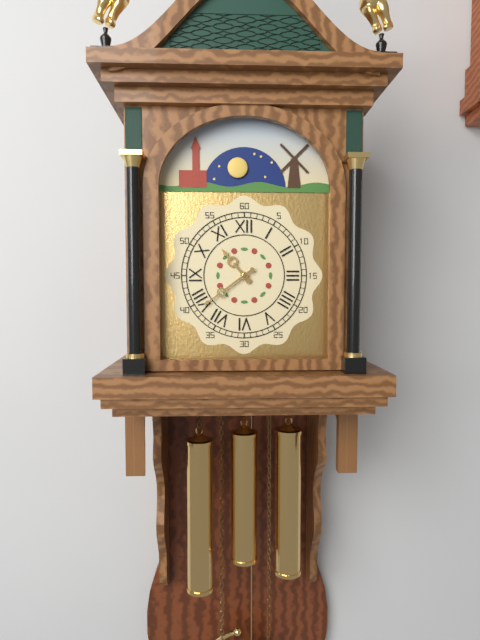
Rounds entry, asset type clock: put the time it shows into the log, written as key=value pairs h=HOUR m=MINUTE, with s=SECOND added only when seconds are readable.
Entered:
h=10 m=39
